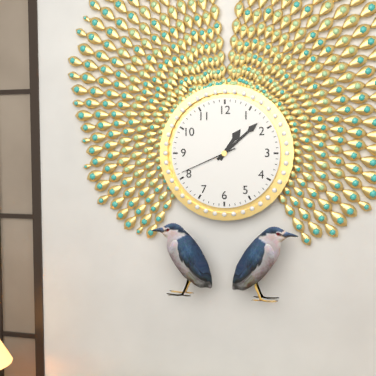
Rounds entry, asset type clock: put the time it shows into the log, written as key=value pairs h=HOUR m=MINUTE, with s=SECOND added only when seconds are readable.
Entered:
h=1 m=8 s=41
